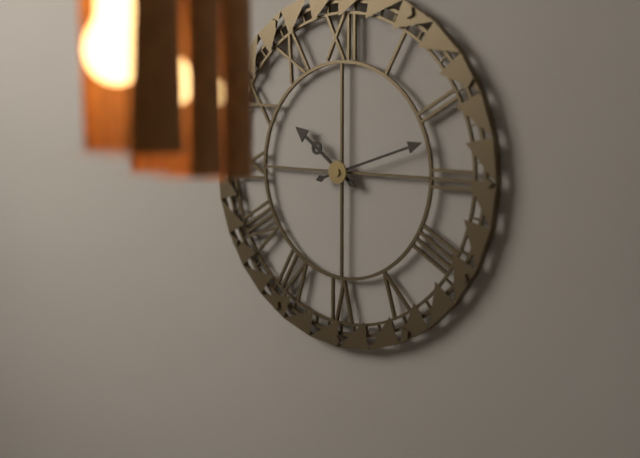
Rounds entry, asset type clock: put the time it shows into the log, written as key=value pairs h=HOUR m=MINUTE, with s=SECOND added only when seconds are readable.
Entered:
h=10 m=12
